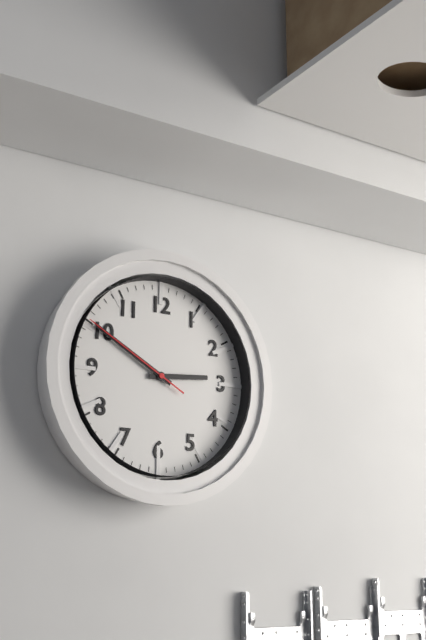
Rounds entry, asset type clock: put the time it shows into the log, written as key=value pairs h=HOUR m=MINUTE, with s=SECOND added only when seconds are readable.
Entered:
h=2 m=50 s=50
